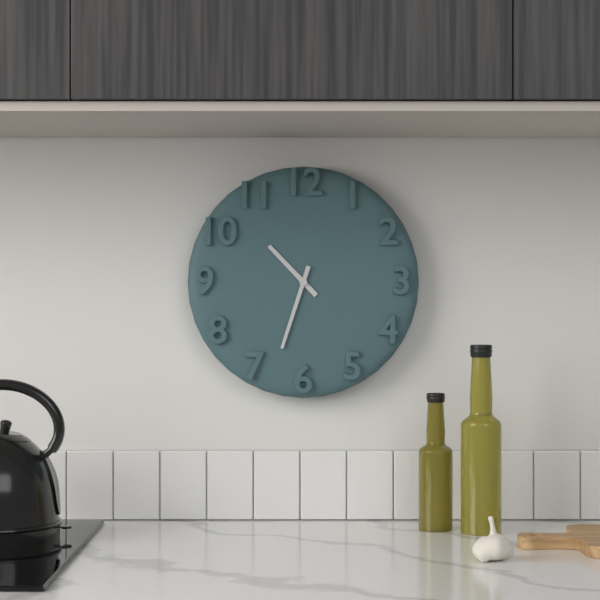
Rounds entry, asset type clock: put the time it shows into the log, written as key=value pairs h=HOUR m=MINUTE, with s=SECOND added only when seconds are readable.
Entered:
h=10 m=33
